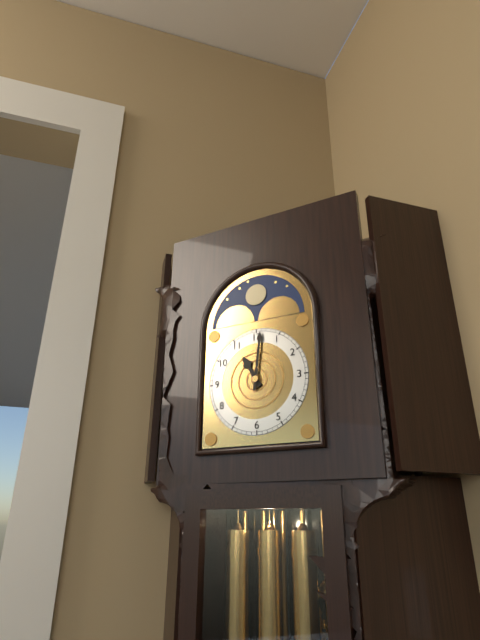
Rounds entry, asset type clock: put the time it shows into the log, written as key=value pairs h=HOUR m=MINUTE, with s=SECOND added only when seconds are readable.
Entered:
h=11 m=1
